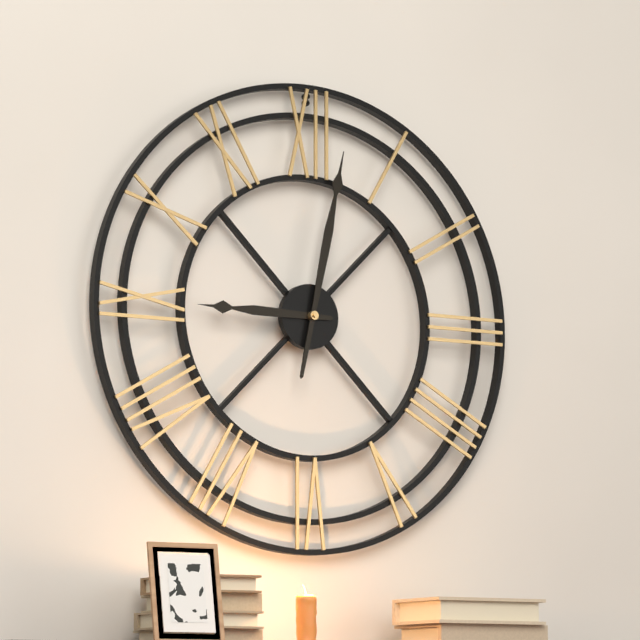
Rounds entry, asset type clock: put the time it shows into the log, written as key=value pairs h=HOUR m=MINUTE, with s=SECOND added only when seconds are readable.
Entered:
h=9 m=2
